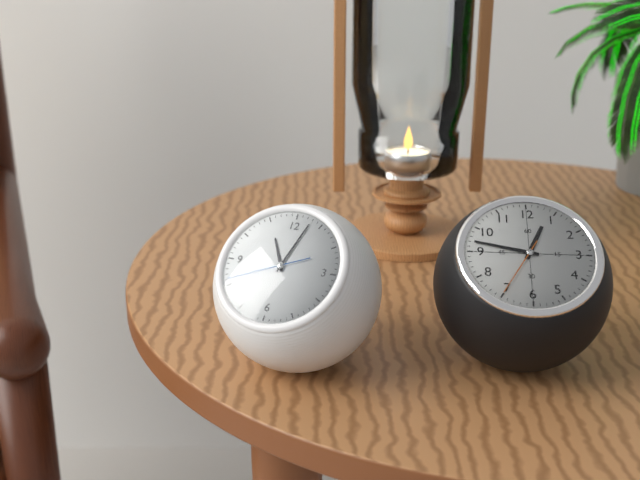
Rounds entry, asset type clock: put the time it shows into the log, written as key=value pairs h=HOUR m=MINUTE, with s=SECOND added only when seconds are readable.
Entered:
h=11 m=3 s=41
